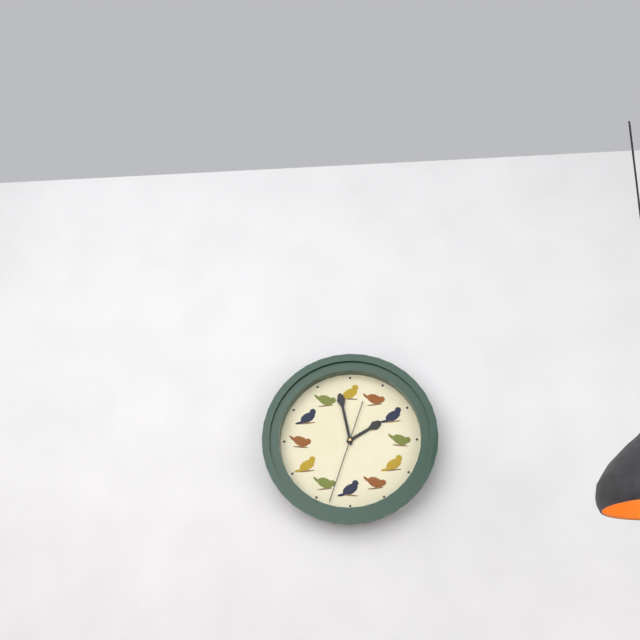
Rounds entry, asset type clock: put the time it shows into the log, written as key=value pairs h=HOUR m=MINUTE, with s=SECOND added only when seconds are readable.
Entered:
h=1 m=58 s=33
